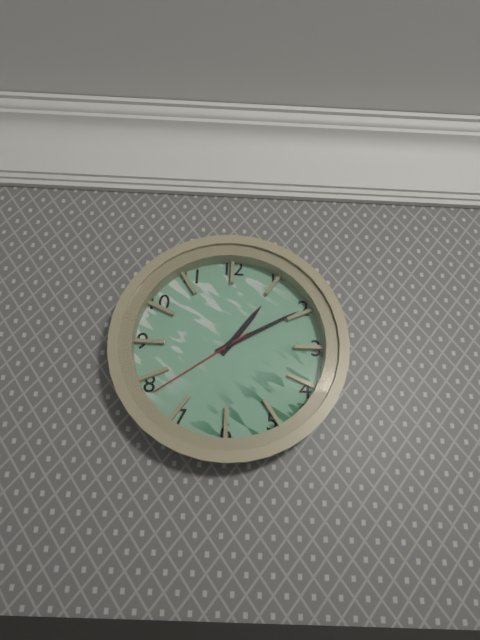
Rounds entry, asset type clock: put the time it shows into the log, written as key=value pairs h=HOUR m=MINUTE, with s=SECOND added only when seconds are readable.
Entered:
h=1 m=10 s=39
